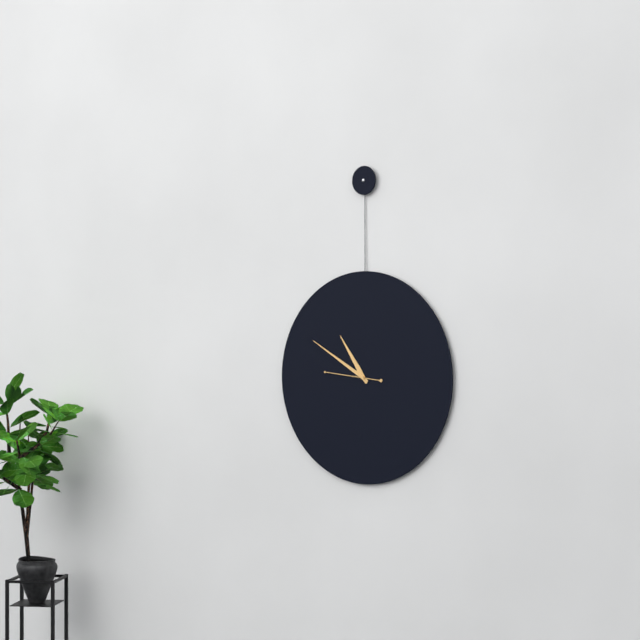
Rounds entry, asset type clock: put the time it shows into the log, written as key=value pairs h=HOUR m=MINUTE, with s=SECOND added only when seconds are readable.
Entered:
h=10 m=50
